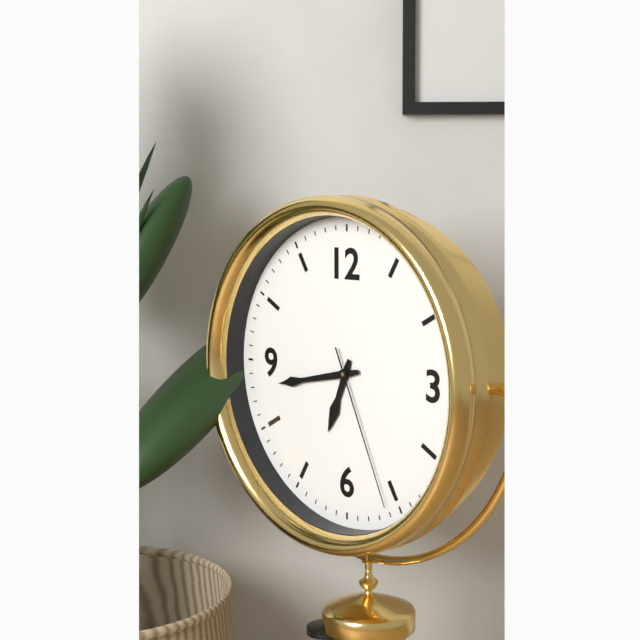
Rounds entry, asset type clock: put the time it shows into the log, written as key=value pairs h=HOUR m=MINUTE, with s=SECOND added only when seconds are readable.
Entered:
h=6 m=43 s=26
